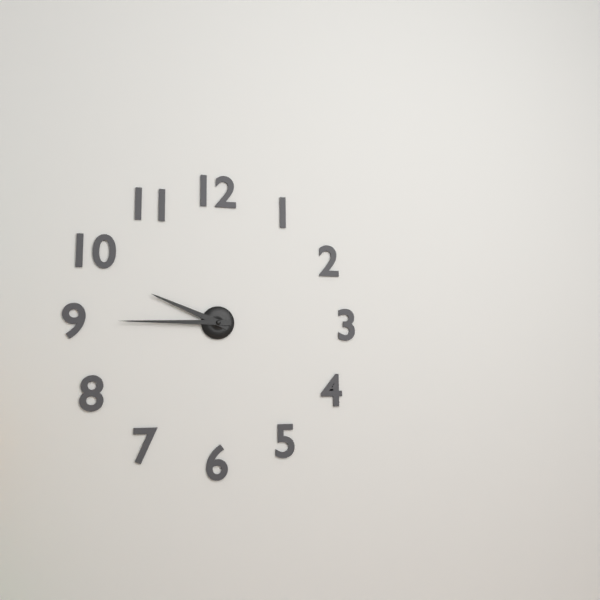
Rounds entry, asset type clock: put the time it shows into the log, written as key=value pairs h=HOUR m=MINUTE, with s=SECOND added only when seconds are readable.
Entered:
h=9 m=45
